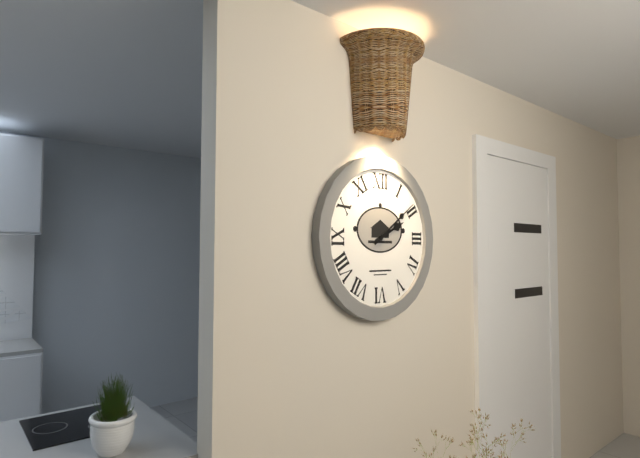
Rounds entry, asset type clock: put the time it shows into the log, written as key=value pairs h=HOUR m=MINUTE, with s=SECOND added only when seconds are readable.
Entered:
h=2 m=9
